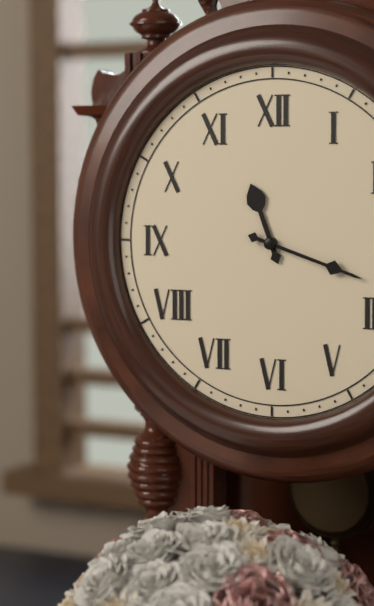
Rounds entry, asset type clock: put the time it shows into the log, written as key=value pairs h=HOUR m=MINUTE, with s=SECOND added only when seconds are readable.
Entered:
h=11 m=18
